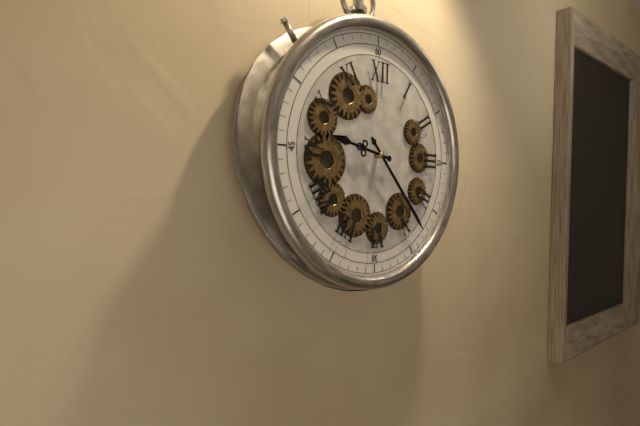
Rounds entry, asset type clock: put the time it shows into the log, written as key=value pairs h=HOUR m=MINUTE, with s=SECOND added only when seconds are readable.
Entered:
h=9 m=23
